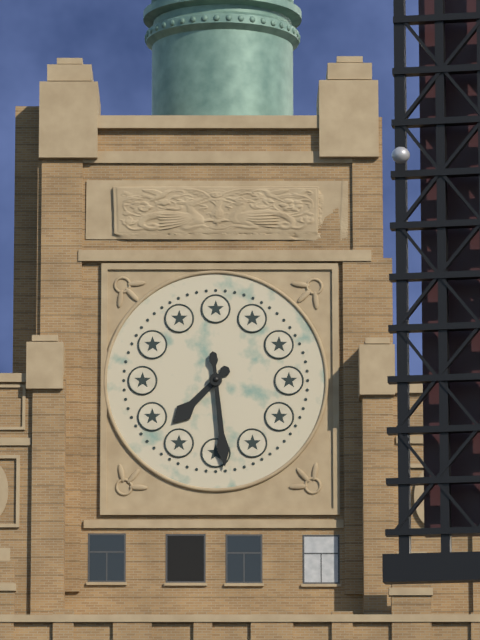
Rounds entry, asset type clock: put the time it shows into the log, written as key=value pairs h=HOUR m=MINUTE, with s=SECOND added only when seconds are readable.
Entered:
h=7 m=29
